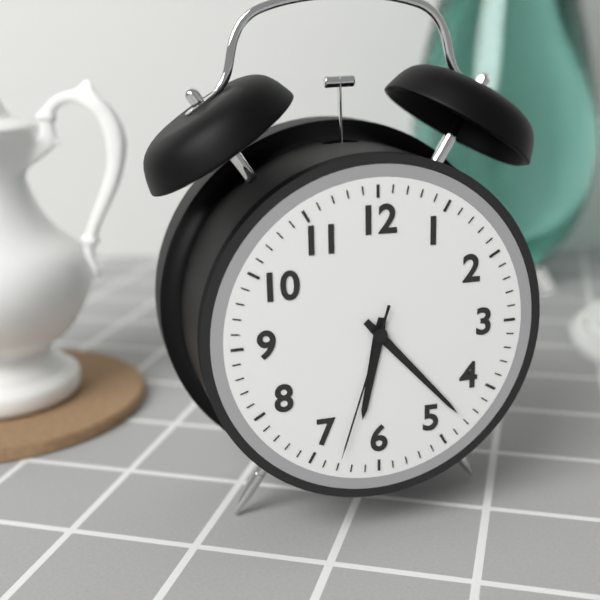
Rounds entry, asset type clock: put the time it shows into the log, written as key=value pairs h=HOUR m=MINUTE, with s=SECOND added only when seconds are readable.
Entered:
h=6 m=23 s=33
